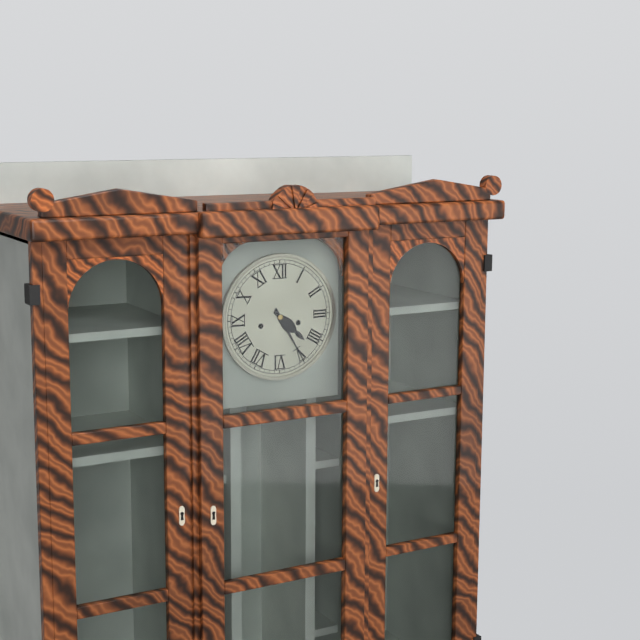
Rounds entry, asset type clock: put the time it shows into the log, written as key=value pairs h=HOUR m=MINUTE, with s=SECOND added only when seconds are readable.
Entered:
h=4 m=25
